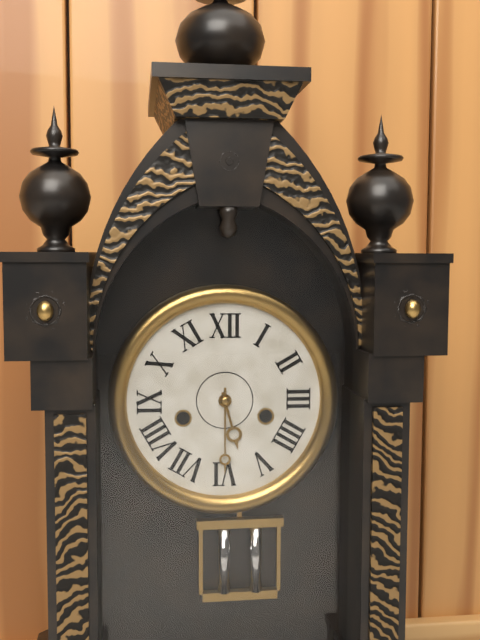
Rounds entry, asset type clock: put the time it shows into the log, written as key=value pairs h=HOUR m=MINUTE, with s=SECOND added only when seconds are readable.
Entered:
h=5 m=30
